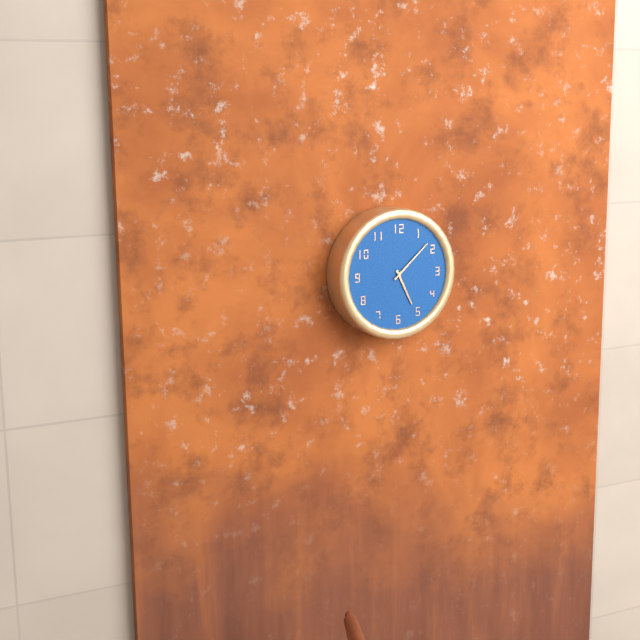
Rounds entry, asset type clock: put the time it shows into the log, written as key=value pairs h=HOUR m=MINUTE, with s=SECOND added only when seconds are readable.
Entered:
h=5 m=8
